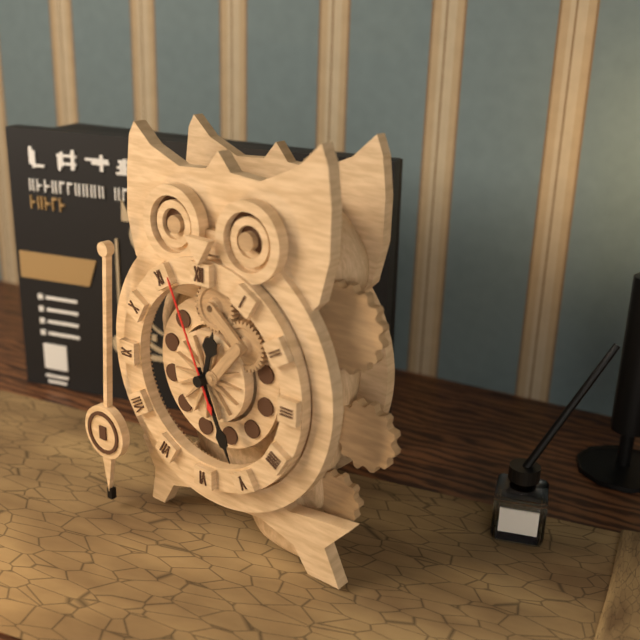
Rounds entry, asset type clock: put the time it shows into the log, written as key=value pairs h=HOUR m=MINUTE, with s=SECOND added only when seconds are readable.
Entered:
h=12 m=26 s=56
